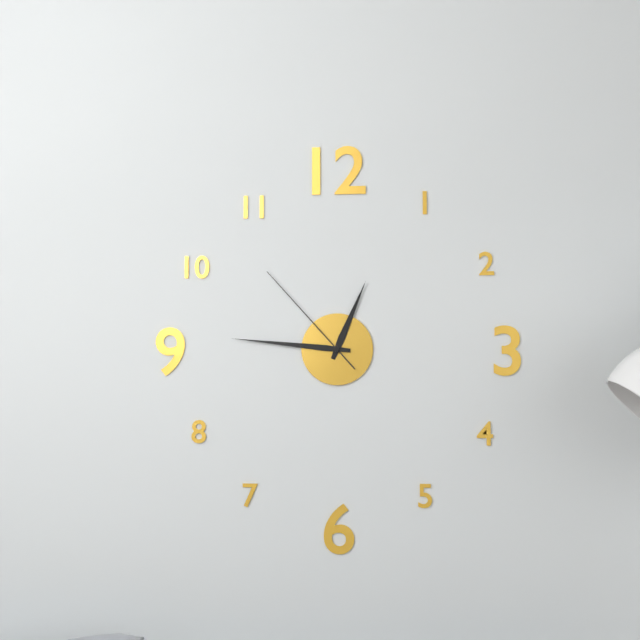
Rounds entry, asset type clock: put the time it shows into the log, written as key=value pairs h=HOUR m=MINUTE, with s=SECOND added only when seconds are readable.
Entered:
h=12 m=46 s=53
